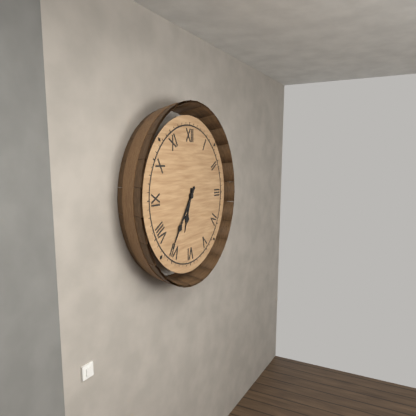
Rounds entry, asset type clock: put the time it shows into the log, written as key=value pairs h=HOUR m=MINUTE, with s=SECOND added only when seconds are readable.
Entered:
h=6 m=36
